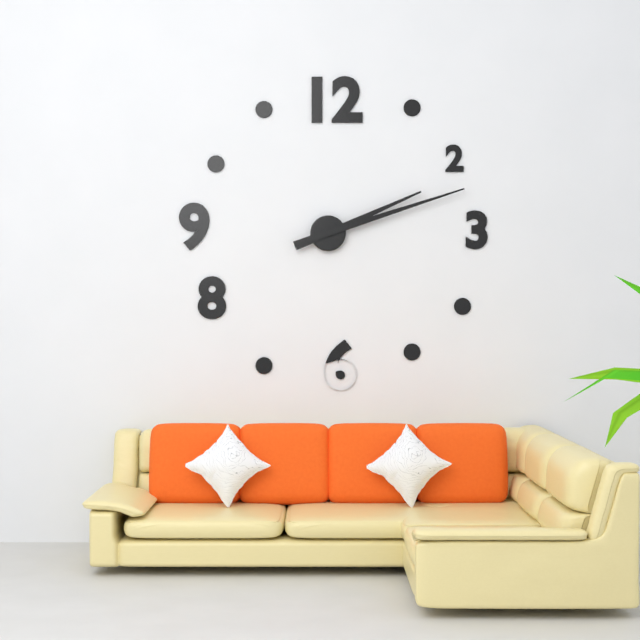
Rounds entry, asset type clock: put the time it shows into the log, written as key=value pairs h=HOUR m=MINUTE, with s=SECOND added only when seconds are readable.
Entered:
h=2 m=12
